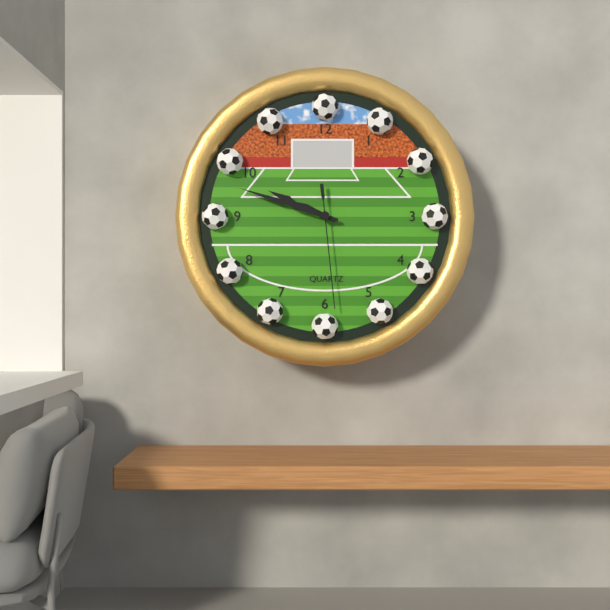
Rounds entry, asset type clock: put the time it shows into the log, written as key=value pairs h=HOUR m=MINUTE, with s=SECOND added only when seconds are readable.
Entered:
h=9 m=48 s=29
